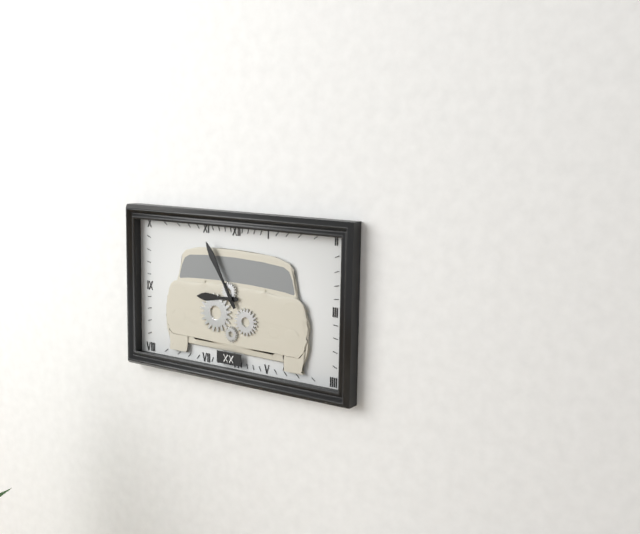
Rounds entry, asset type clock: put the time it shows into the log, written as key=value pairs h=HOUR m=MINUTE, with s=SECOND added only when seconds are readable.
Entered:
h=8 m=55
